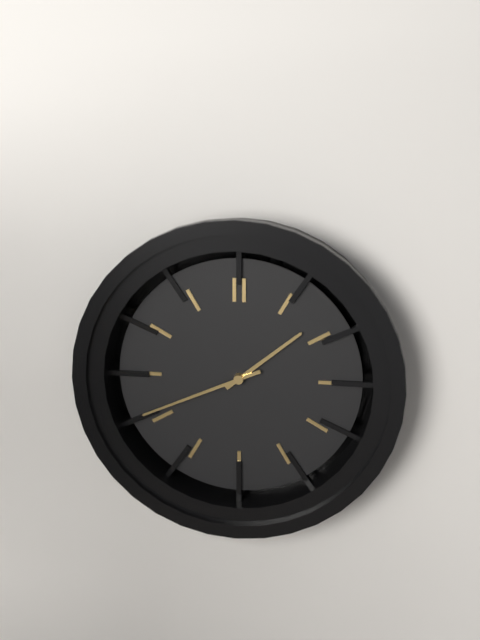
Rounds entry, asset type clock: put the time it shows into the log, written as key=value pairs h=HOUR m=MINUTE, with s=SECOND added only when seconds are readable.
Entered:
h=1 m=41
